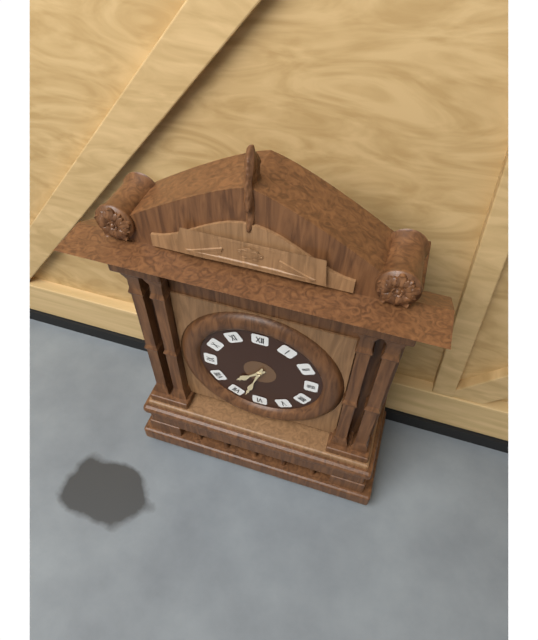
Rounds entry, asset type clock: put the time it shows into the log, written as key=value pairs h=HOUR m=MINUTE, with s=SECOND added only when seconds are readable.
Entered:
h=7 m=33
